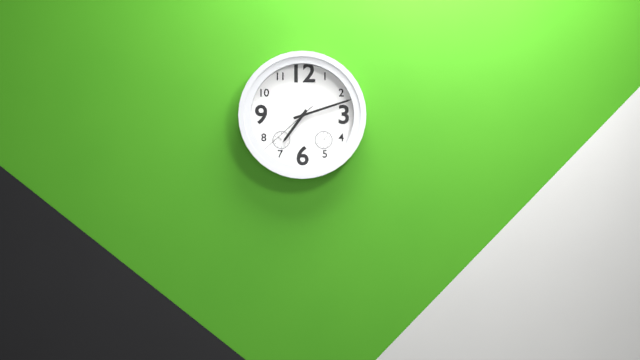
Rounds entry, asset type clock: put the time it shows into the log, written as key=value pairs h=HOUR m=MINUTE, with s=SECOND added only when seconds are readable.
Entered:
h=7 m=12 s=38
